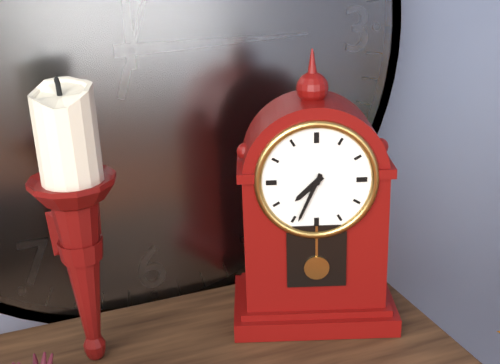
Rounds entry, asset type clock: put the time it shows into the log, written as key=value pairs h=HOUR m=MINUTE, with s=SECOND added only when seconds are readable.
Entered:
h=7 m=34
